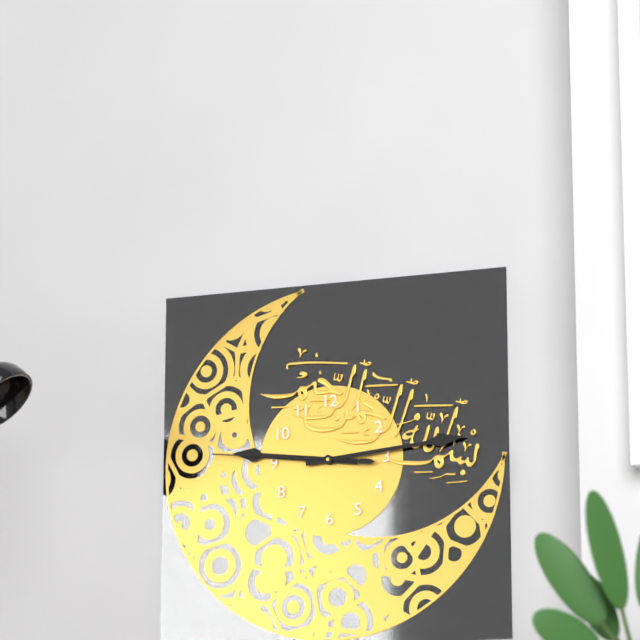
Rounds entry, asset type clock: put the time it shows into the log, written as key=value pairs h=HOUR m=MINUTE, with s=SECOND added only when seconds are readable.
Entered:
h=9 m=14 s=46
